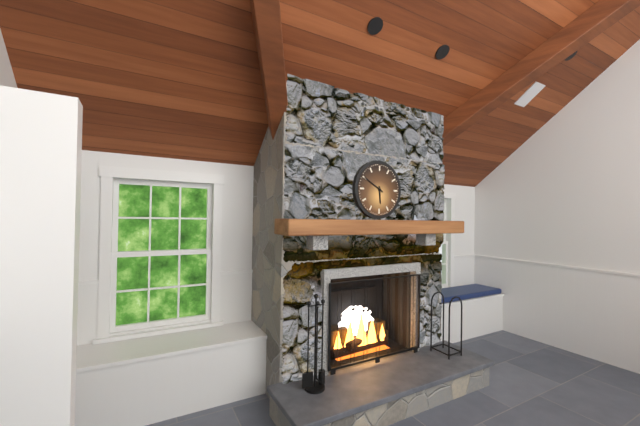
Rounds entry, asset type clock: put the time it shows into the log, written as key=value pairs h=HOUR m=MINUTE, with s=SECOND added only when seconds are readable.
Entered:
h=5 m=50
